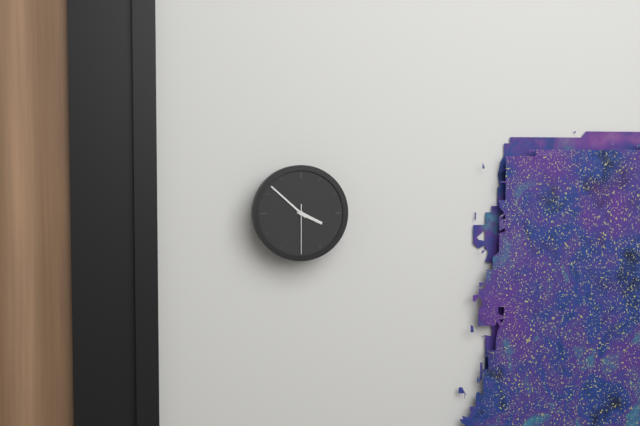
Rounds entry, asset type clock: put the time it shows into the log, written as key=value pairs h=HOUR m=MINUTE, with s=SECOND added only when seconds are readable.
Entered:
h=3 m=52 s=30
